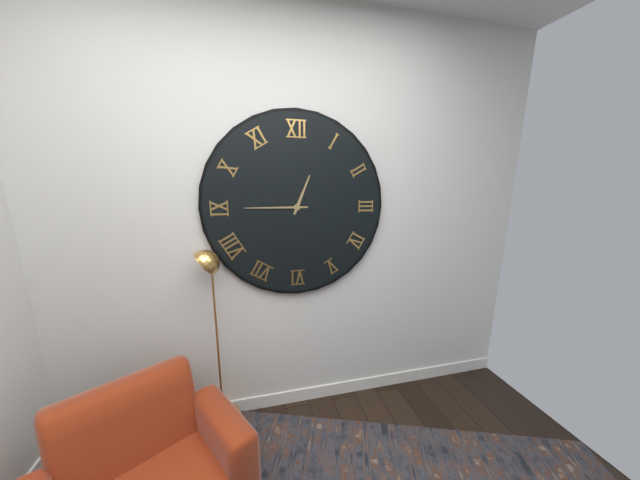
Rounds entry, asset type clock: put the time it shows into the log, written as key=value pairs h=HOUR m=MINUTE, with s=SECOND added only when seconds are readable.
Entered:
h=12 m=45
